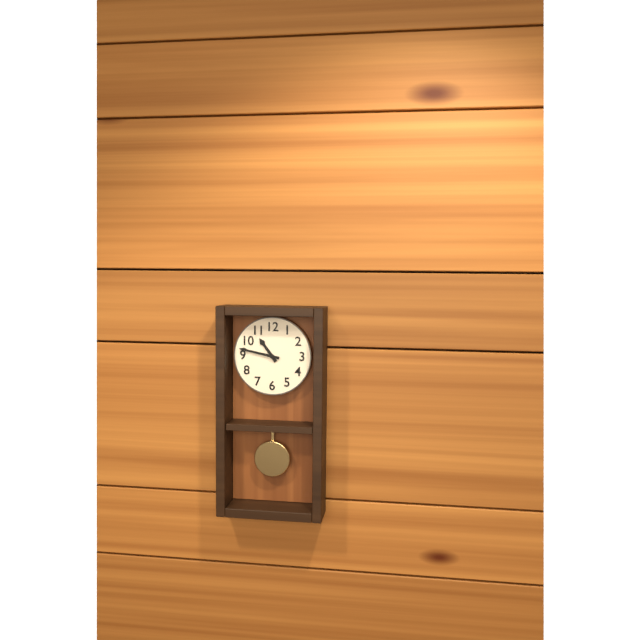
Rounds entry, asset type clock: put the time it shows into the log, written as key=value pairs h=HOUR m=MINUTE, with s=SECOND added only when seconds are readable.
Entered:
h=10 m=47
